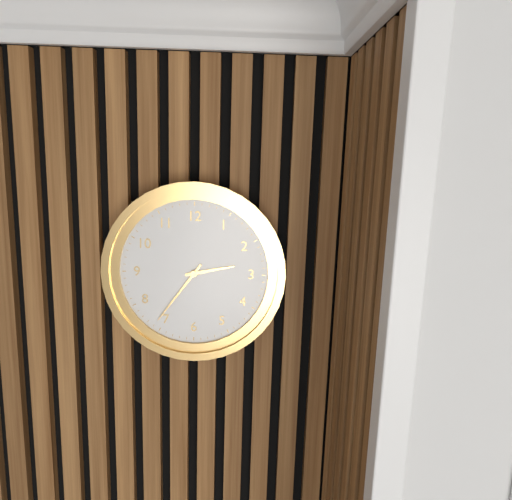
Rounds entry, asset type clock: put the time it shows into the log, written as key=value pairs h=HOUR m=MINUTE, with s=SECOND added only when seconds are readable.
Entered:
h=2 m=36
